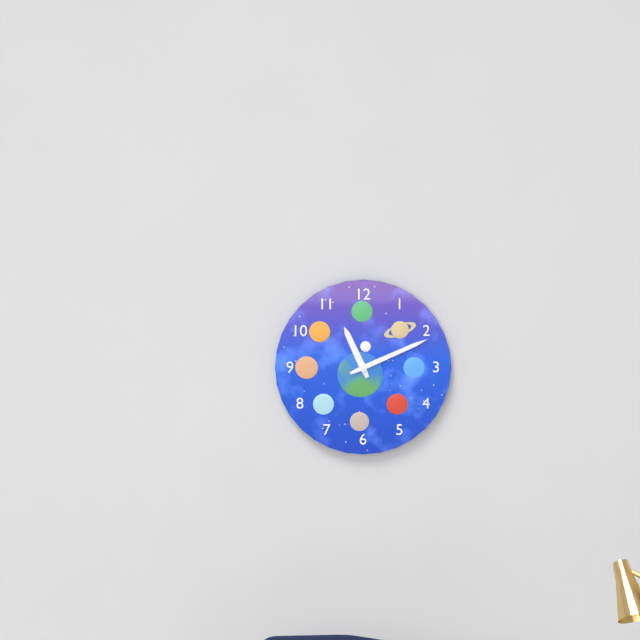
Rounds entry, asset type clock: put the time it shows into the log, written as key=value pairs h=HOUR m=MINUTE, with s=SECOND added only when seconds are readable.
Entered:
h=11 m=11
